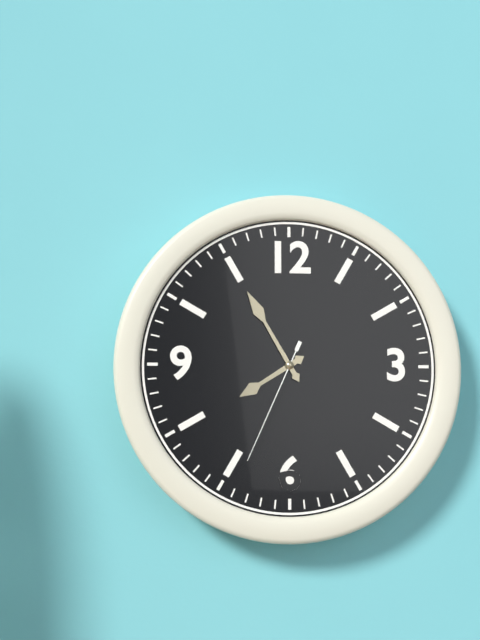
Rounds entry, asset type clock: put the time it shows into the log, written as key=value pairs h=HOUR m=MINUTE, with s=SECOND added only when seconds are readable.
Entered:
h=7 m=55 s=34
